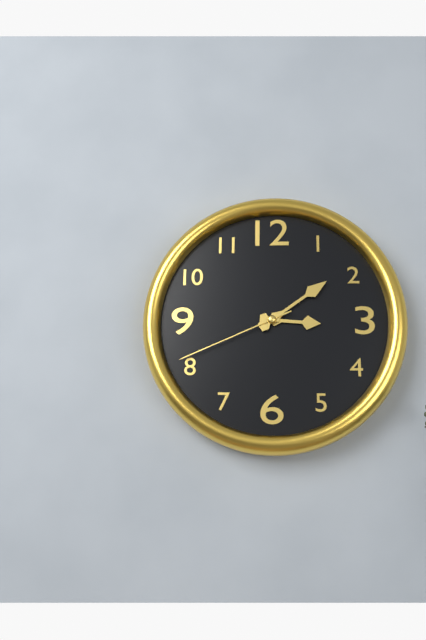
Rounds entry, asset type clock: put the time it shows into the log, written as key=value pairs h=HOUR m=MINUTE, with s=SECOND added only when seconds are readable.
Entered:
h=3 m=9 s=41
